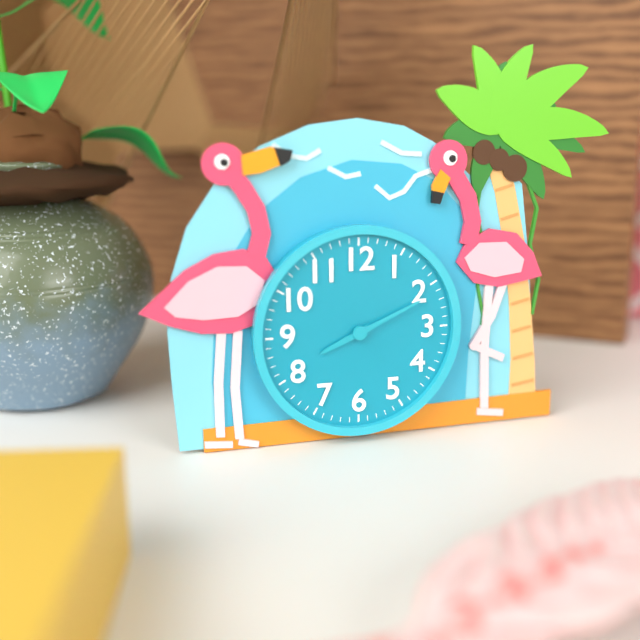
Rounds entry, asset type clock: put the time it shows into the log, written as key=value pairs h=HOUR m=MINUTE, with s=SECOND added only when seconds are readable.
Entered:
h=8 m=11
